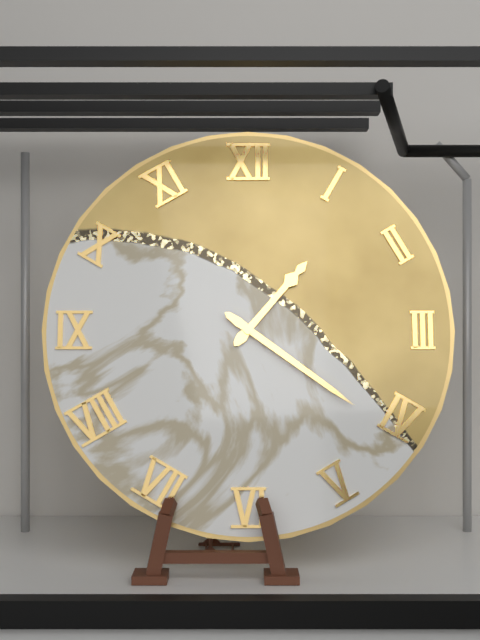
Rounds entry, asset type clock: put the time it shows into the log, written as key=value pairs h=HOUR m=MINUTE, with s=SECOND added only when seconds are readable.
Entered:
h=1 m=21
